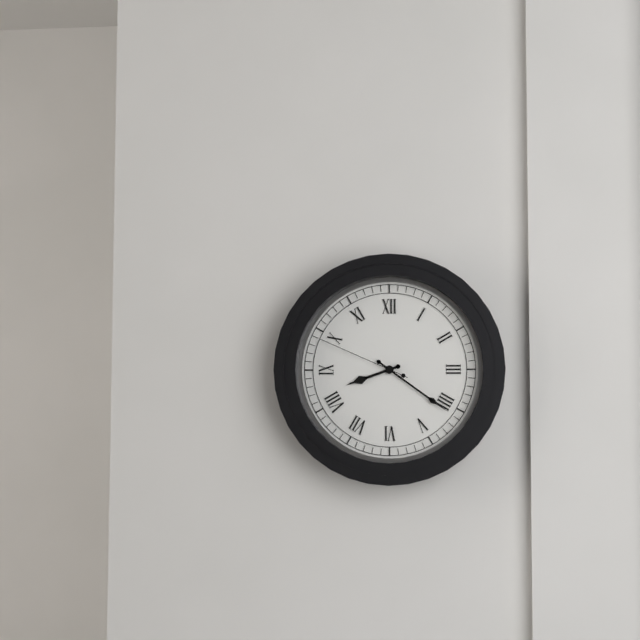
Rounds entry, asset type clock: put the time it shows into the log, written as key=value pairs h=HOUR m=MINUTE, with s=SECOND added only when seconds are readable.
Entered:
h=8 m=21 s=49
